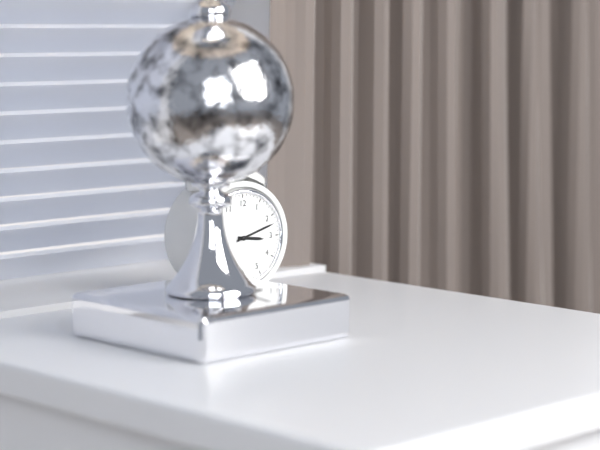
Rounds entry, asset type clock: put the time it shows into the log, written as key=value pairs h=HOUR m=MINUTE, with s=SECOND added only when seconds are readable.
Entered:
h=3 m=12
